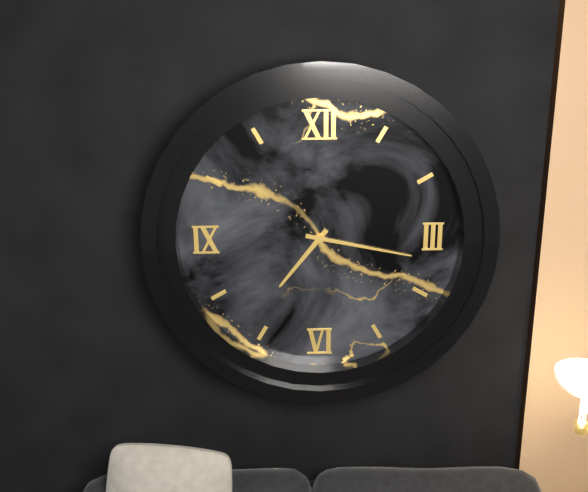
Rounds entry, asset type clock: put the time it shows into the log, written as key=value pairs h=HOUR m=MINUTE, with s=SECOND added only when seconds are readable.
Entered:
h=7 m=17
